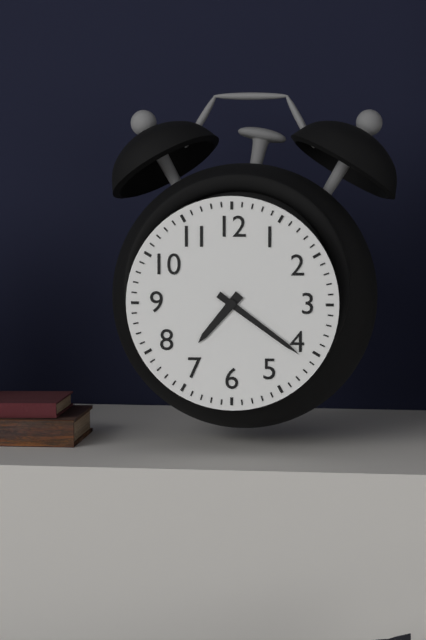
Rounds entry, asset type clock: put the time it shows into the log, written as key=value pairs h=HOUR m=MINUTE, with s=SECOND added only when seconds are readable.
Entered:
h=7 m=21
